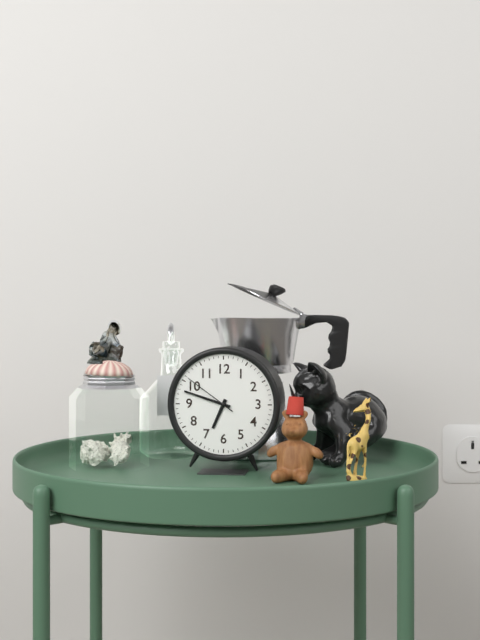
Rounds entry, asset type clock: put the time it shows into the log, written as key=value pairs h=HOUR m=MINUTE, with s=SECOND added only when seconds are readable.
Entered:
h=6 m=48 s=51
